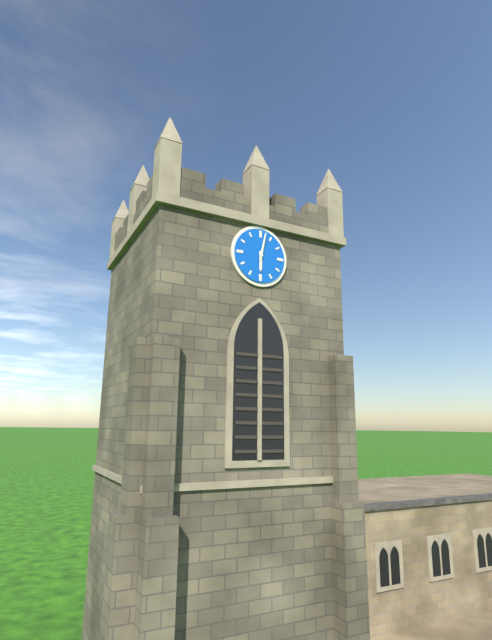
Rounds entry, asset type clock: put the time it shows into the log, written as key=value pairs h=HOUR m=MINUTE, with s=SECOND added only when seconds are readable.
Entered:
h=6 m=2
